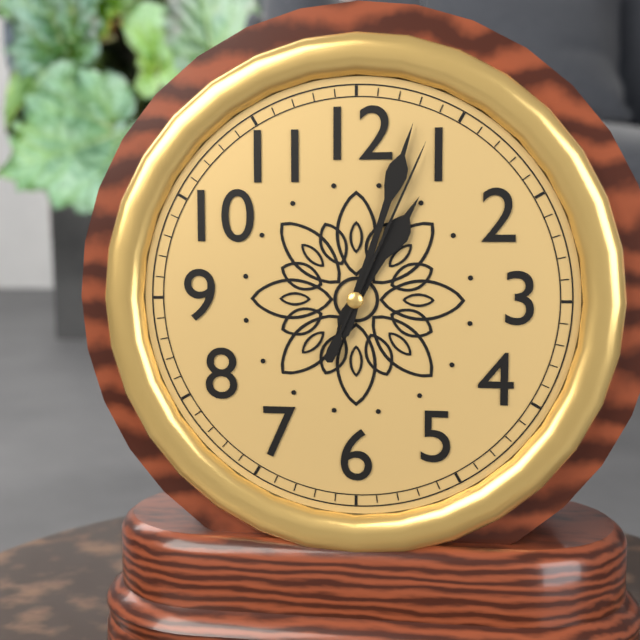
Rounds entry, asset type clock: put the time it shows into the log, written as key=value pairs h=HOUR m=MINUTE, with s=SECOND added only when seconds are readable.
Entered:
h=1 m=3 s=4
